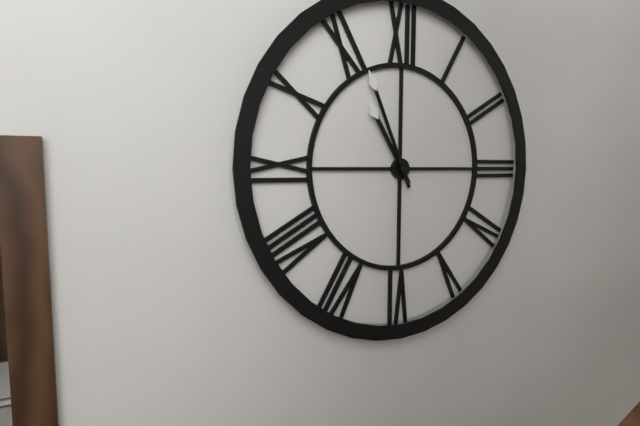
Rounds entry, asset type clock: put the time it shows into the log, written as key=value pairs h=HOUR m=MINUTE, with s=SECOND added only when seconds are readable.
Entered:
h=10 m=56
